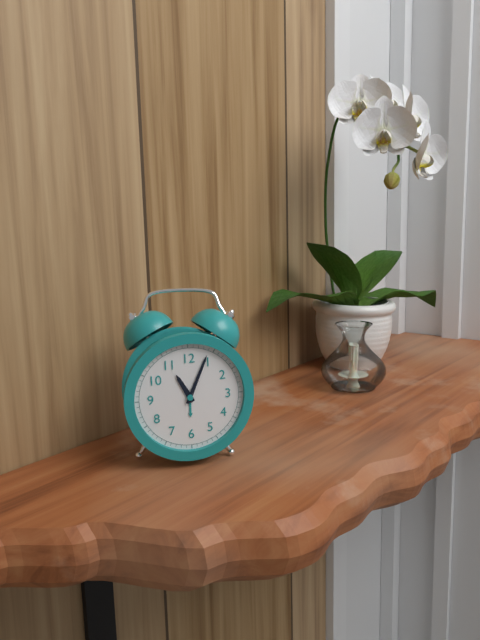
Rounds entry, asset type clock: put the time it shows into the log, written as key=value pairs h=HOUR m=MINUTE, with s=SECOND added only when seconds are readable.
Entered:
h=11 m=4
